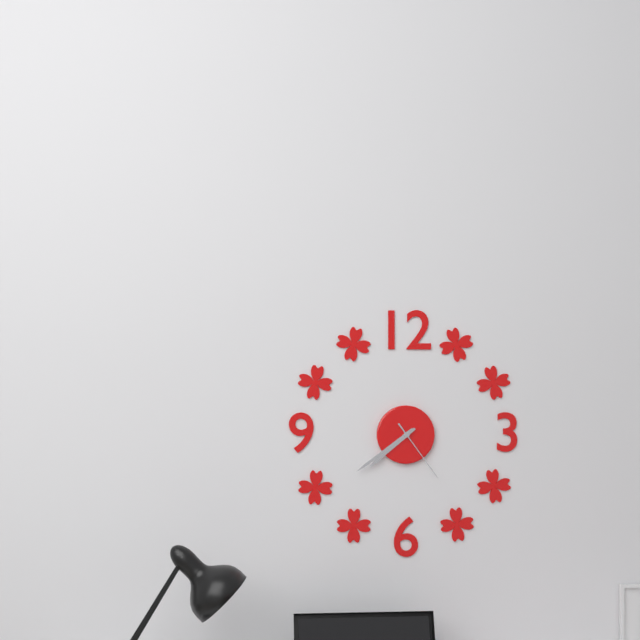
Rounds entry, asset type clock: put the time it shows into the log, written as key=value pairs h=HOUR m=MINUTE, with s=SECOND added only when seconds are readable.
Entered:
h=7 m=39 s=24
